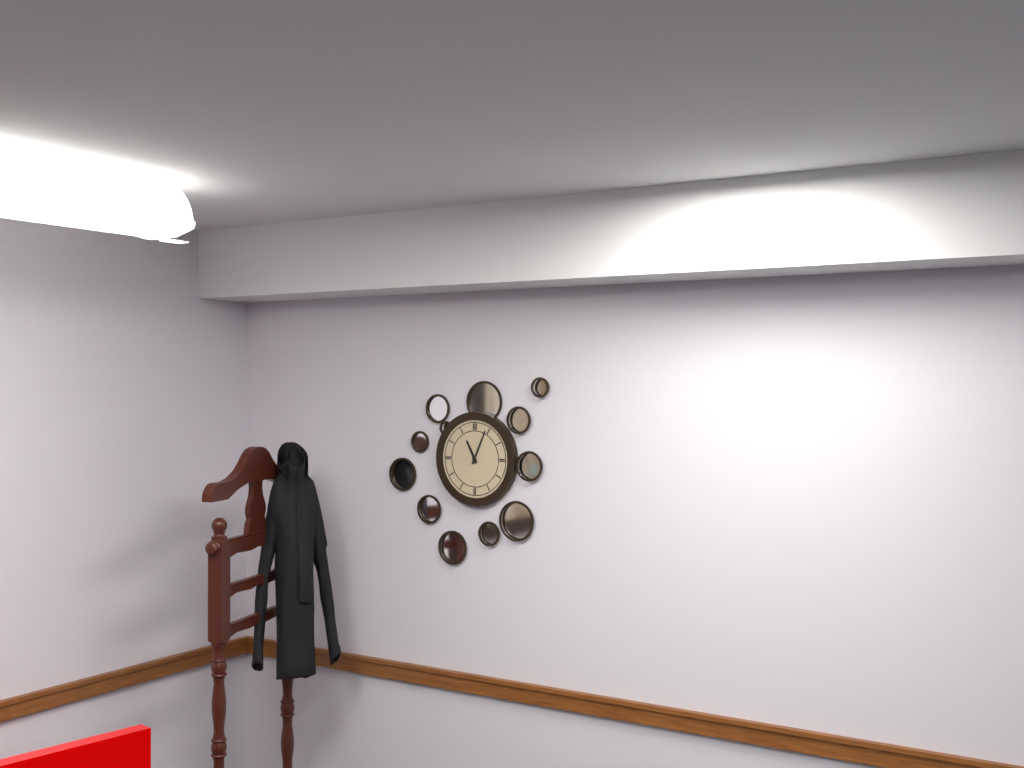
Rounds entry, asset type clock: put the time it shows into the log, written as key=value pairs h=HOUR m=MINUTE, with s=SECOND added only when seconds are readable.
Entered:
h=11 m=4
